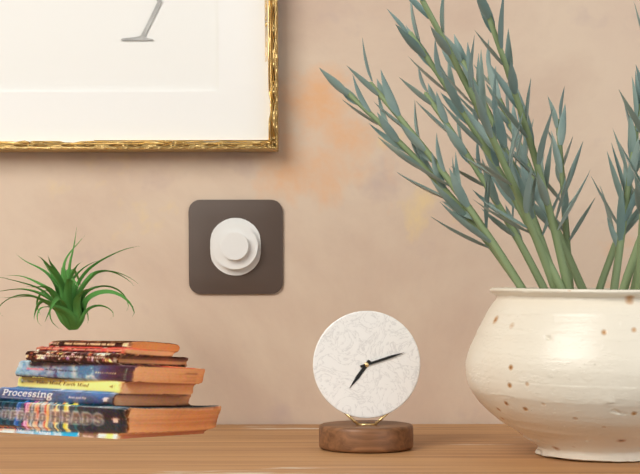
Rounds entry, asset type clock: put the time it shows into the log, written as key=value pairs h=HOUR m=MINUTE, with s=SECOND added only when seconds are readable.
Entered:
h=7 m=12
